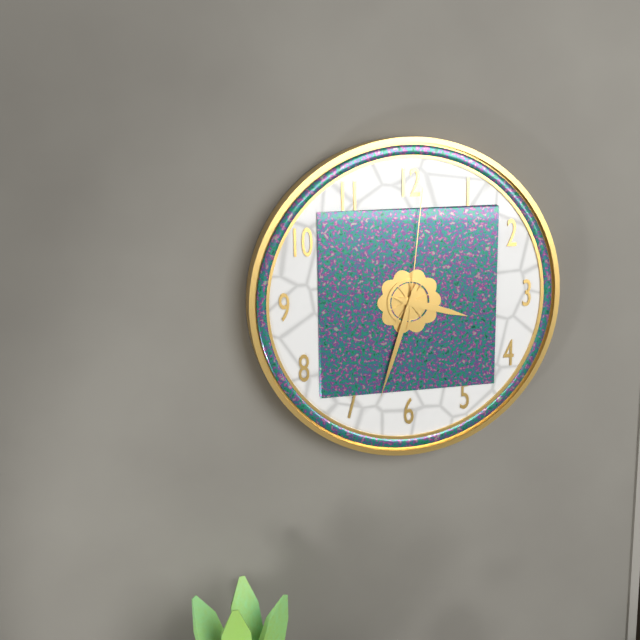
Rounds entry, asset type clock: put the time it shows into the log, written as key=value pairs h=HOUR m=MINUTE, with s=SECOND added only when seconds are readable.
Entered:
h=3 m=33 s=1
